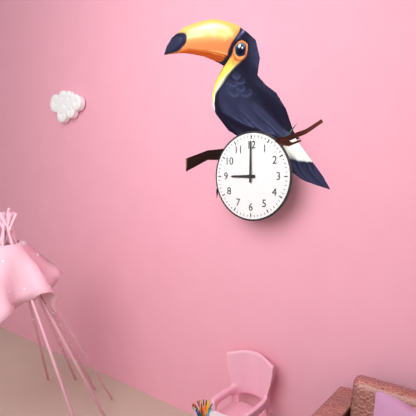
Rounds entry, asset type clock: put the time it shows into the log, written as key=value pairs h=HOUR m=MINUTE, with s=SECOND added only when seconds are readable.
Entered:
h=9 m=0
